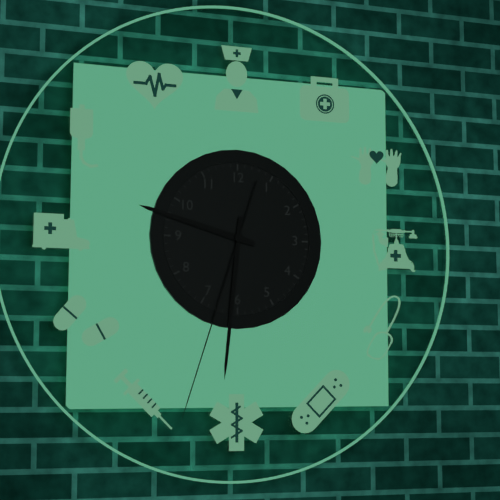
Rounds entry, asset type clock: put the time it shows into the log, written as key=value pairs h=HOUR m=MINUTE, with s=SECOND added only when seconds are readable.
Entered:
h=9 m=31 s=33
